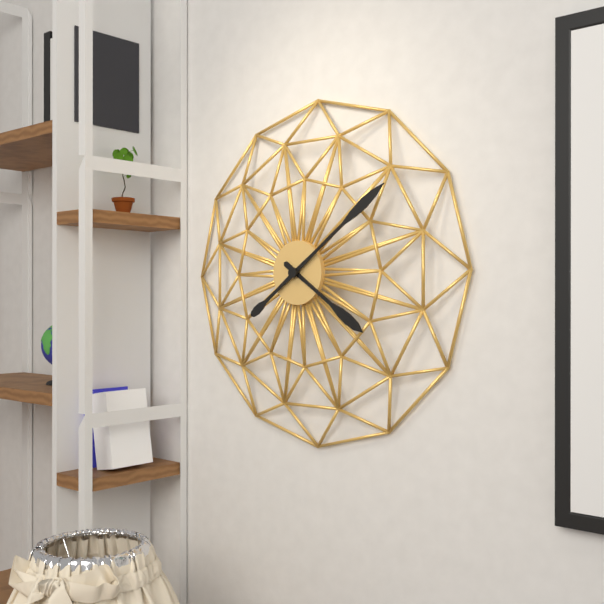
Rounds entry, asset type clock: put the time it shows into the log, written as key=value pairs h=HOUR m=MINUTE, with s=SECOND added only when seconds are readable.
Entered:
h=4 m=9
